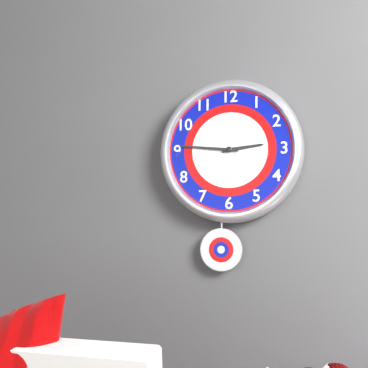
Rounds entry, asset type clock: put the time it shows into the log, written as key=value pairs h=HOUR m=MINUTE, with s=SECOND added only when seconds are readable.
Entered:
h=2 m=46
